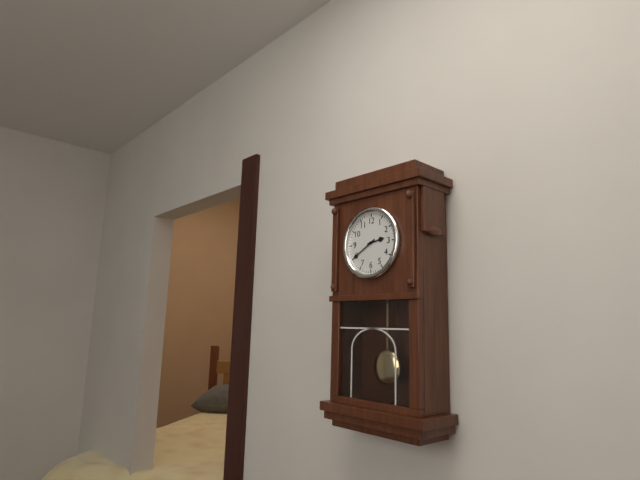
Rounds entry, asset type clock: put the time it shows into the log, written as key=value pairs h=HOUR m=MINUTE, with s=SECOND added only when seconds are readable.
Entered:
h=2 m=40
